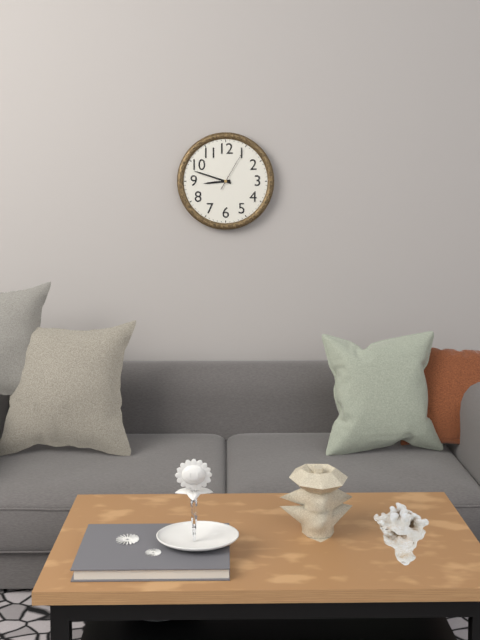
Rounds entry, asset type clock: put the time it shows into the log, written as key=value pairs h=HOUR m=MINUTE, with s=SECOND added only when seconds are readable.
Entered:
h=8 m=48
